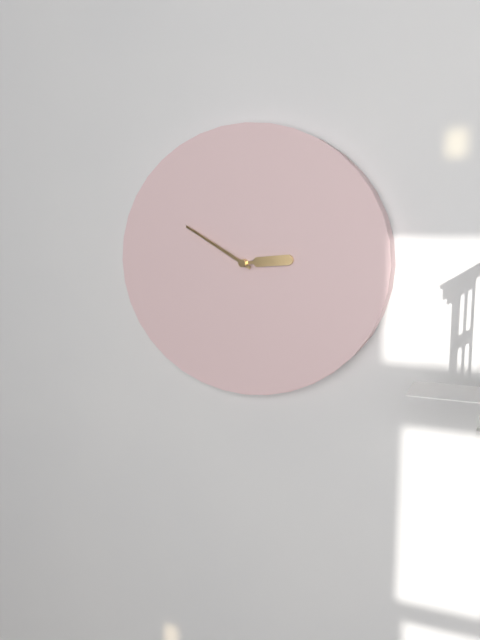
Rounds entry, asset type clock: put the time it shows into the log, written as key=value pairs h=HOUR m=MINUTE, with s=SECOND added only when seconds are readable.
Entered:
h=2 m=50
